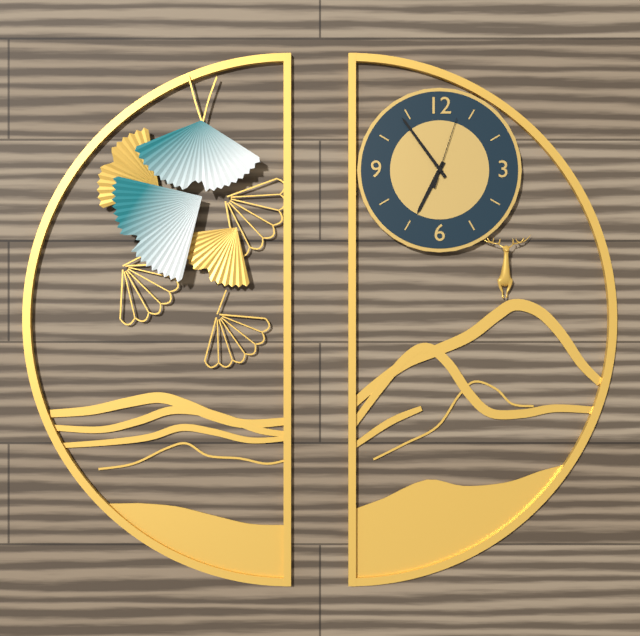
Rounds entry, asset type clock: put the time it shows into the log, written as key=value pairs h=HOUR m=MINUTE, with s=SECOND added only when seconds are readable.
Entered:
h=6 m=54 s=3
